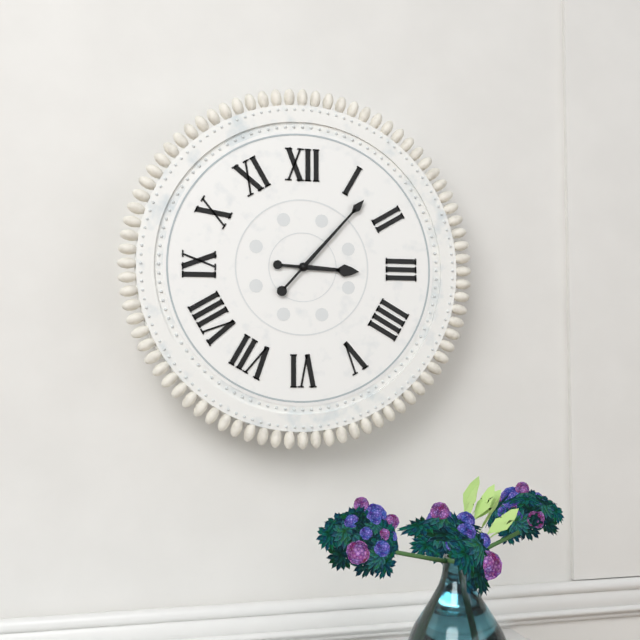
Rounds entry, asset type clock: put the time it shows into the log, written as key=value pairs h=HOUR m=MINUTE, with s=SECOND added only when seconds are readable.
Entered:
h=3 m=7
